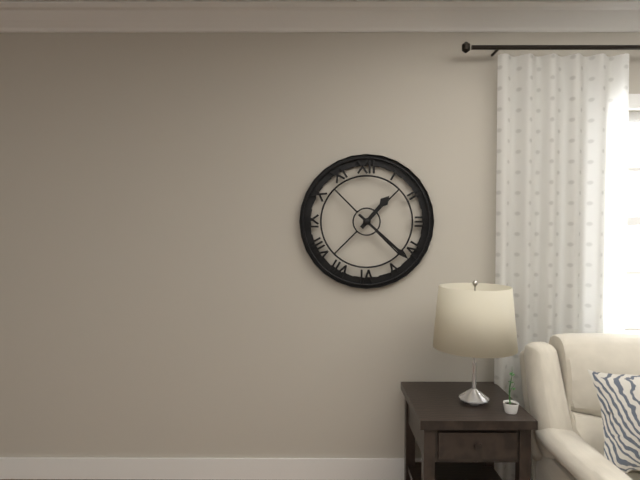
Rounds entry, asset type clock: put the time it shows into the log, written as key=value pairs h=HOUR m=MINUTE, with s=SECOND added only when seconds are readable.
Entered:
h=1 m=22
